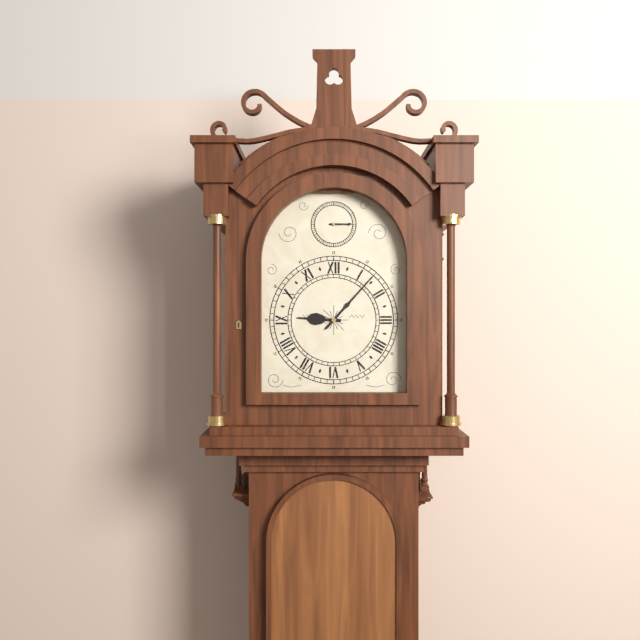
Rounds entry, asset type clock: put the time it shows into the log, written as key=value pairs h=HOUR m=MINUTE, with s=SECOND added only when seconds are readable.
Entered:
h=9 m=7
